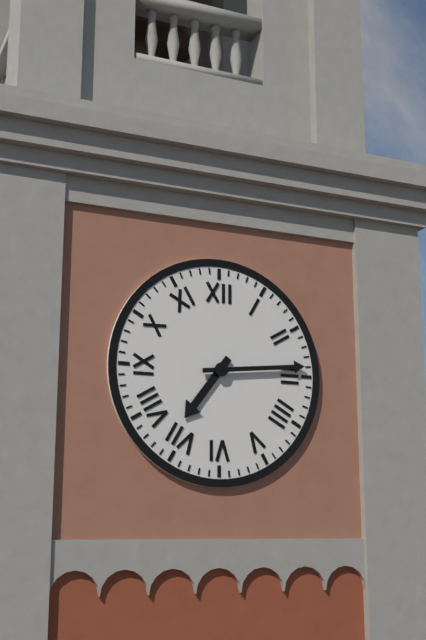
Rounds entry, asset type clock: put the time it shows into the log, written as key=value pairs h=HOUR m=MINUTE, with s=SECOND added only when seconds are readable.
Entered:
h=7 m=14
